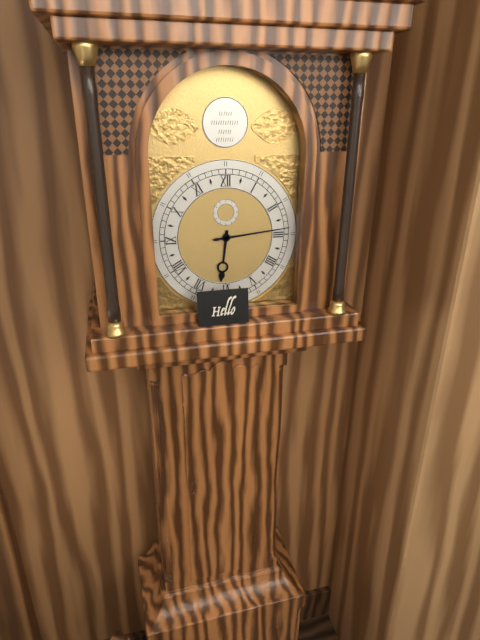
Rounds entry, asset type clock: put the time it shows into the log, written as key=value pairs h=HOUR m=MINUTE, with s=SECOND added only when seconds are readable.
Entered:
h=6 m=14
